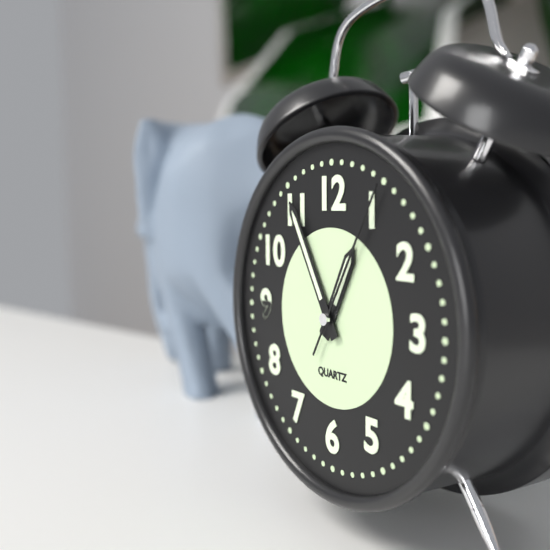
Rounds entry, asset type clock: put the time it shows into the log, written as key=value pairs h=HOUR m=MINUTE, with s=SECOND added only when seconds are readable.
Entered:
h=12 m=55 s=5
